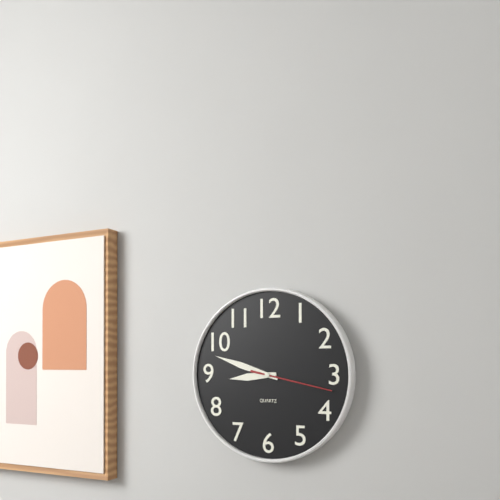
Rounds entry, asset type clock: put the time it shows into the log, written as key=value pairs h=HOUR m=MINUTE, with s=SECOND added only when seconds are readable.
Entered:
h=8 m=48 s=17
